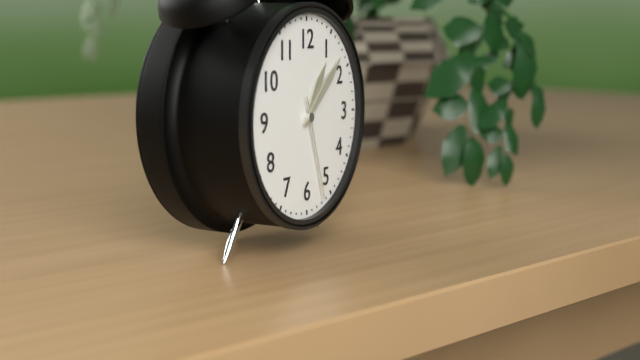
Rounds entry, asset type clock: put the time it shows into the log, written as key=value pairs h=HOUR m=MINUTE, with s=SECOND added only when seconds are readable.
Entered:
h=1 m=8 s=27
